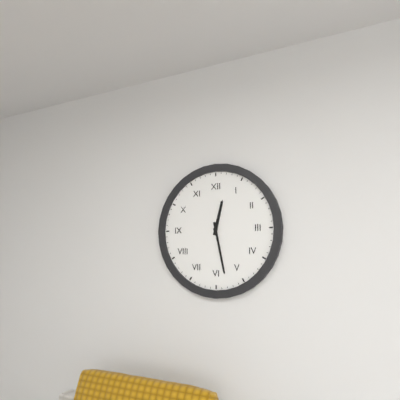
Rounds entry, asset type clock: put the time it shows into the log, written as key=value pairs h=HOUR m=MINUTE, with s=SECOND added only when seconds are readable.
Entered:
h=12 m=28
